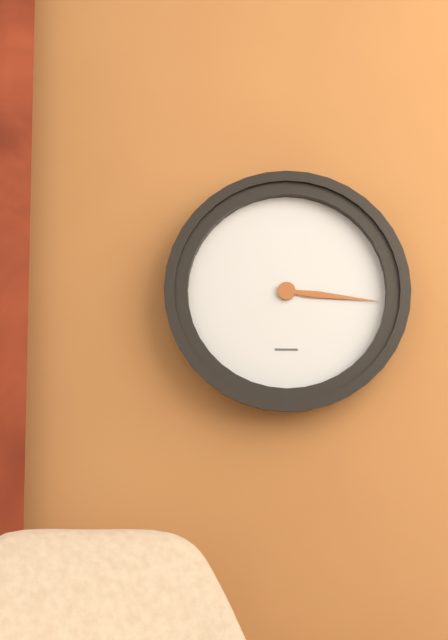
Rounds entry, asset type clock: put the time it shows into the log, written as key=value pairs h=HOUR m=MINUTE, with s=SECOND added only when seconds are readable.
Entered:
h=3 m=16
